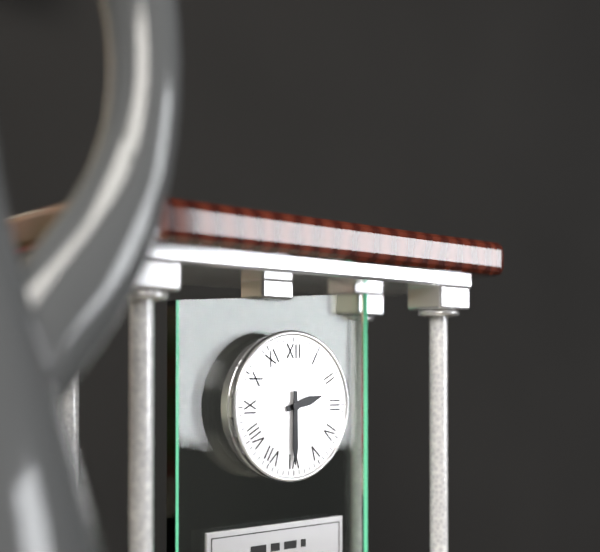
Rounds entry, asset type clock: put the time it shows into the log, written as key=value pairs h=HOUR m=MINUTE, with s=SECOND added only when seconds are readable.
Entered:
h=2 m=30
